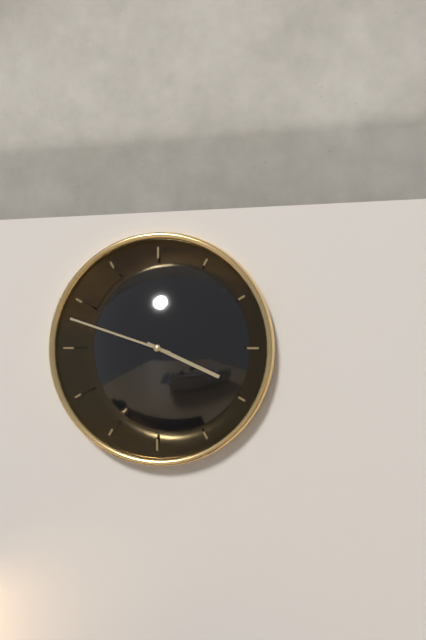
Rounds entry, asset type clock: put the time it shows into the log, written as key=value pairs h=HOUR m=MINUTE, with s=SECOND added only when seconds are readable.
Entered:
h=3 m=48
